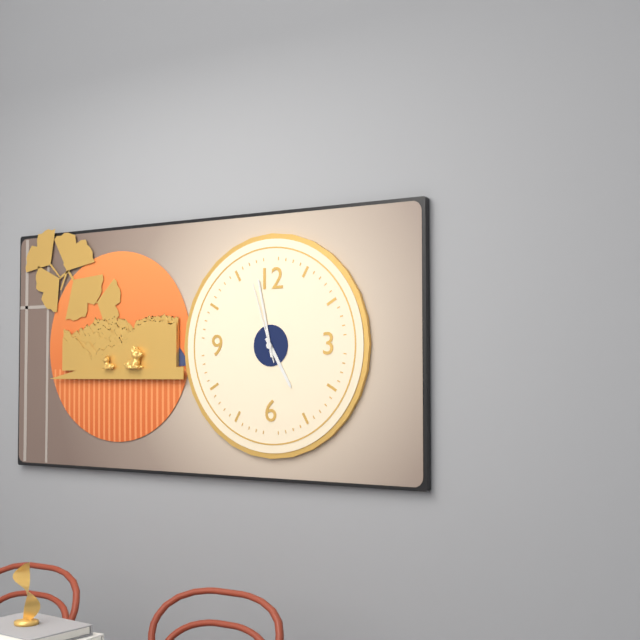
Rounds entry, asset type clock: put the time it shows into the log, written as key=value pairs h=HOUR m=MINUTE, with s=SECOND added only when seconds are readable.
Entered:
h=4 m=58 s=57
